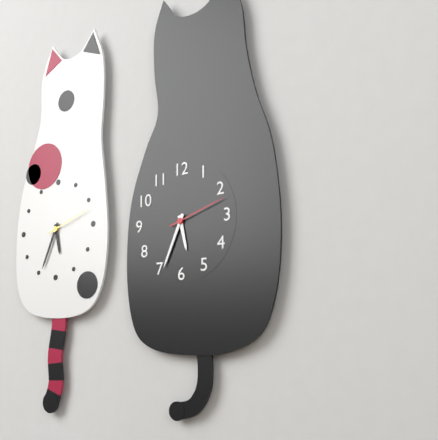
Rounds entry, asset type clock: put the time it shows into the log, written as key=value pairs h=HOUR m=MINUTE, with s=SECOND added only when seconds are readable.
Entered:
h=5 m=34 s=12
